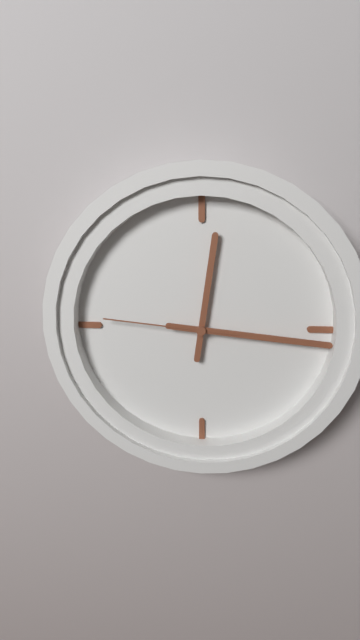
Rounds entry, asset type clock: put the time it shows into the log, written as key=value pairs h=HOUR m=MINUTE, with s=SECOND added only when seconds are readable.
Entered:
h=12 m=16 s=46
